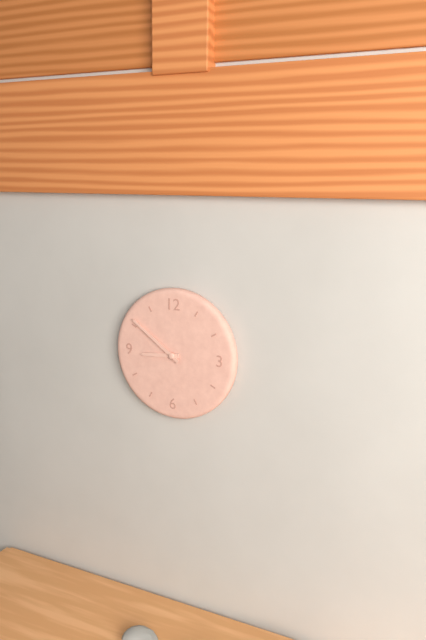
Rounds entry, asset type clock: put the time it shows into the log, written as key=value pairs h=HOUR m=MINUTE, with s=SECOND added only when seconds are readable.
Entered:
h=8 m=51
